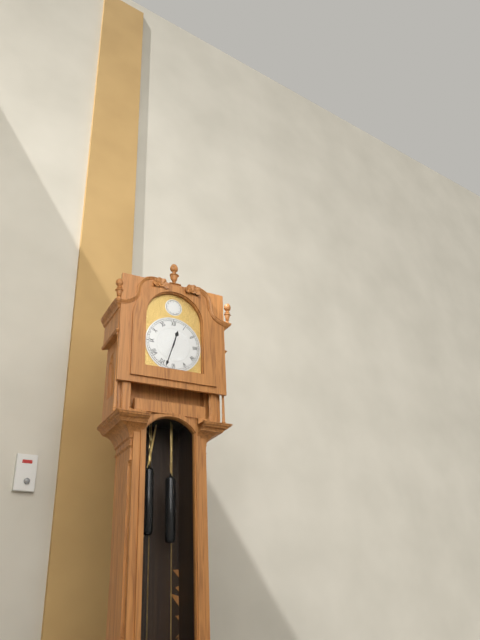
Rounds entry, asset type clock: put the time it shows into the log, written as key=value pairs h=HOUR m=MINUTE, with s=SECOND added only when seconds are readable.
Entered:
h=12 m=33
